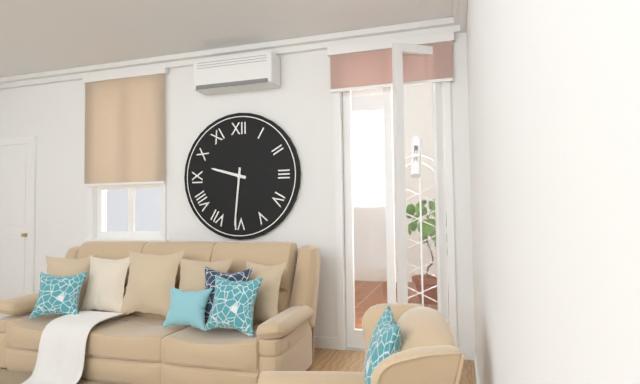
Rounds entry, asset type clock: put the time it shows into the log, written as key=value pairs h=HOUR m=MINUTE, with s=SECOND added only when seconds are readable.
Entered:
h=9 m=31
